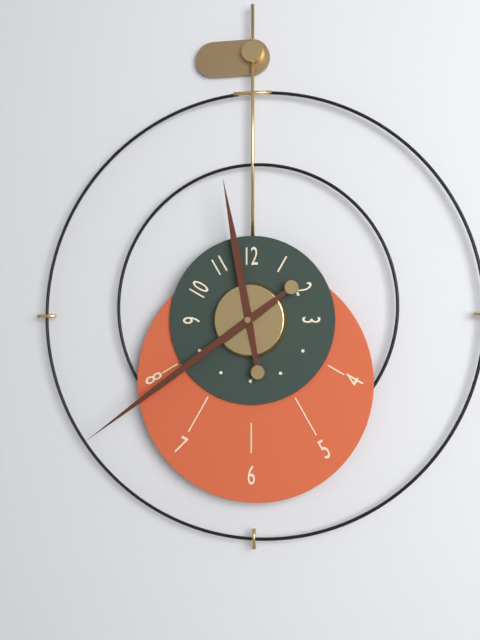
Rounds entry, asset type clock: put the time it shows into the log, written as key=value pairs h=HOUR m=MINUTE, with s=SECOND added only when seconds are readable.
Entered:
h=11 m=39
